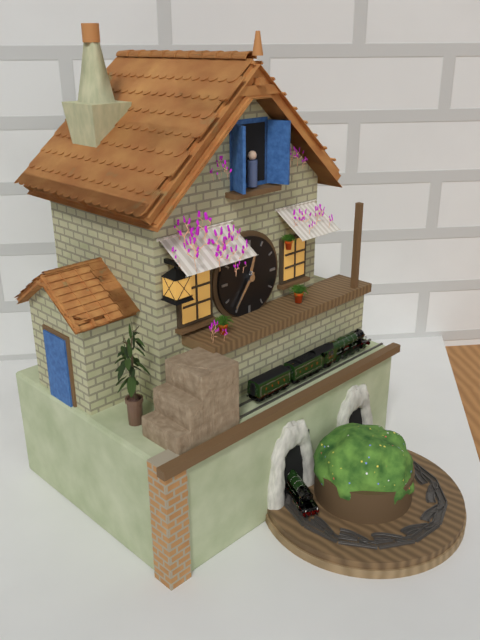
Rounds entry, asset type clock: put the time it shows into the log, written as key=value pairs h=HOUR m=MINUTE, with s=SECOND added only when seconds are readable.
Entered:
h=12 m=36
